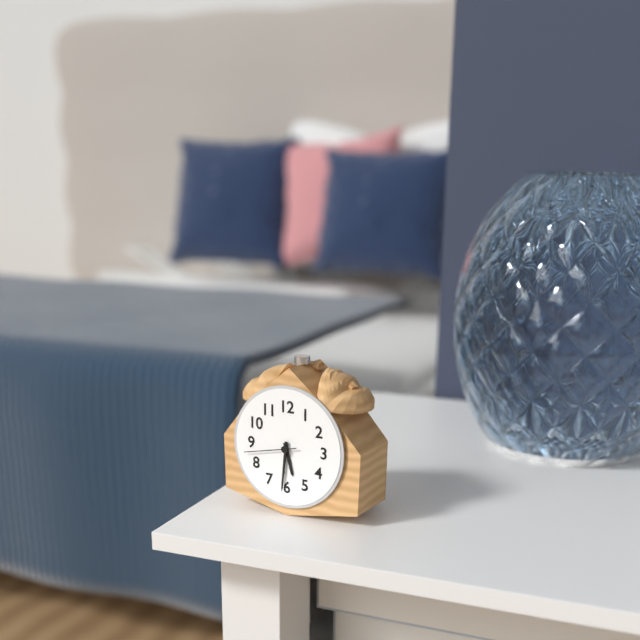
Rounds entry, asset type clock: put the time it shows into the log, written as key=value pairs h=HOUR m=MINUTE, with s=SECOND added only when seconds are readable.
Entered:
h=5 m=31 s=43
